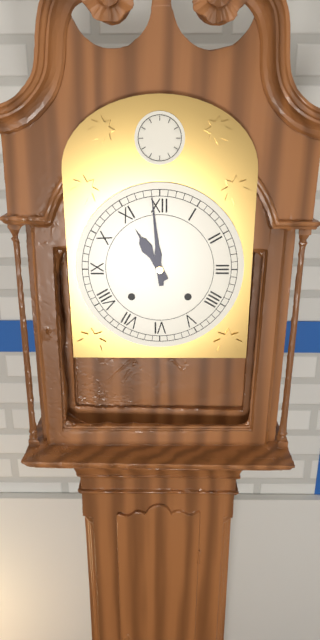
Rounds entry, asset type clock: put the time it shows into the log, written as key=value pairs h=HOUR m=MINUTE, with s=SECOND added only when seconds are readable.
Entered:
h=10 m=59
